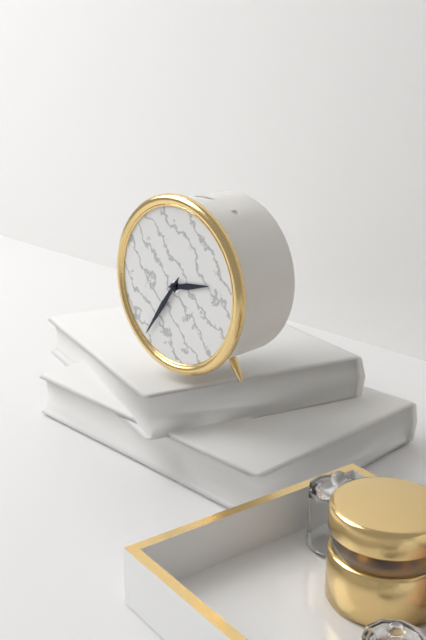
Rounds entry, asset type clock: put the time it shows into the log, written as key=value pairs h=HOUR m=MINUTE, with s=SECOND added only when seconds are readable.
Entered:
h=2 m=36
